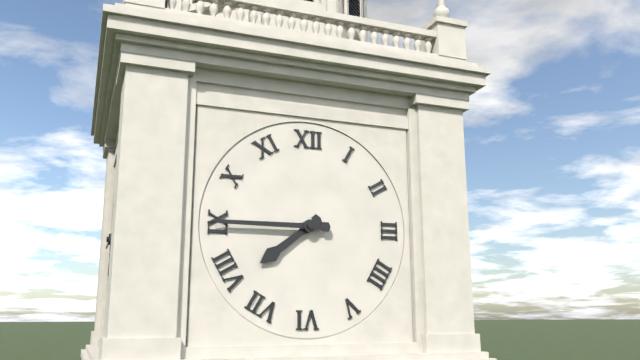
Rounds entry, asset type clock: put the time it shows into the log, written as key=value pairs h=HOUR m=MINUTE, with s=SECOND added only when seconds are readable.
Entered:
h=7 m=45
